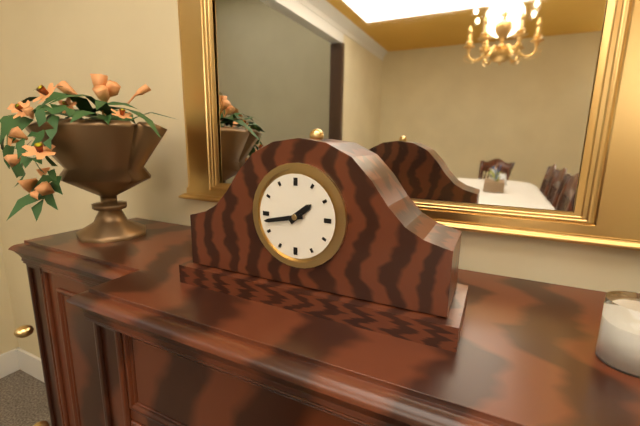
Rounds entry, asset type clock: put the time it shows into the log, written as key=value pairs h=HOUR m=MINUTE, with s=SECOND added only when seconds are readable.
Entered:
h=1 m=43
